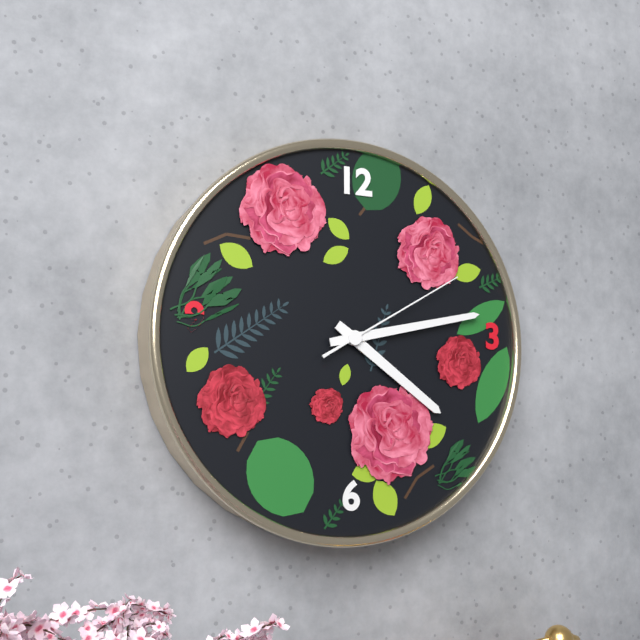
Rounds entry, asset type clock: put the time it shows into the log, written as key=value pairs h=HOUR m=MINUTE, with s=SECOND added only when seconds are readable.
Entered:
h=4 m=13 s=10
